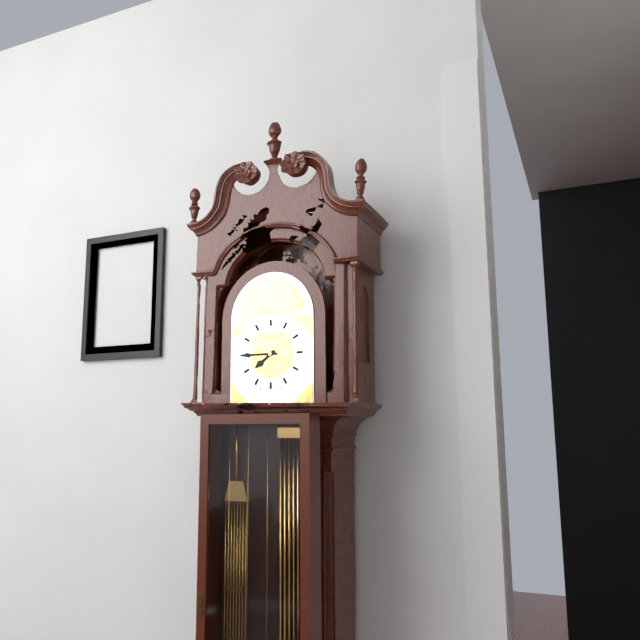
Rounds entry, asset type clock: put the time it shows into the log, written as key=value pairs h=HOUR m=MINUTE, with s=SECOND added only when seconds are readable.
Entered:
h=7 m=45
